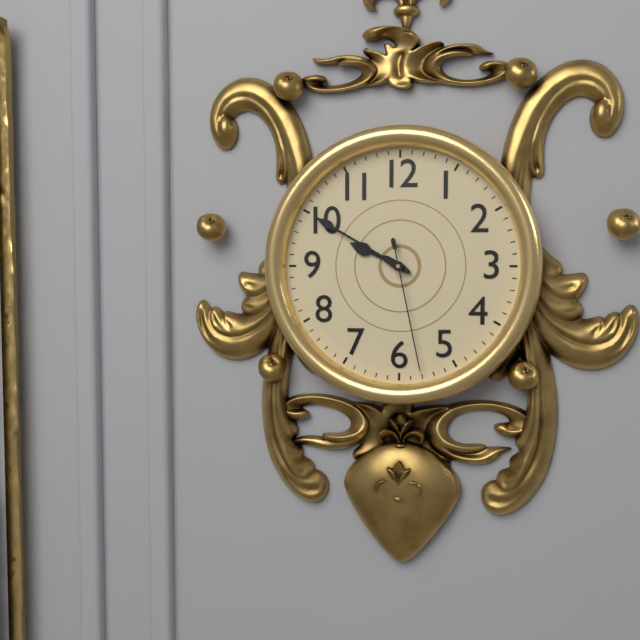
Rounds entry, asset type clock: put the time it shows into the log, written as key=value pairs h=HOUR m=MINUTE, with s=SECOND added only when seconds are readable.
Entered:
h=9 m=50 s=28
